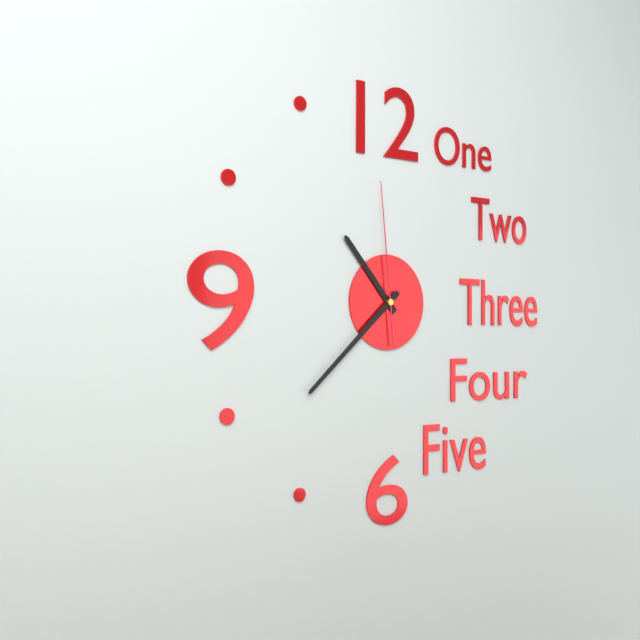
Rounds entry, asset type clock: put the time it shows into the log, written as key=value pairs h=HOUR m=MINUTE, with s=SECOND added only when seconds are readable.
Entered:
h=10 m=38 s=59
